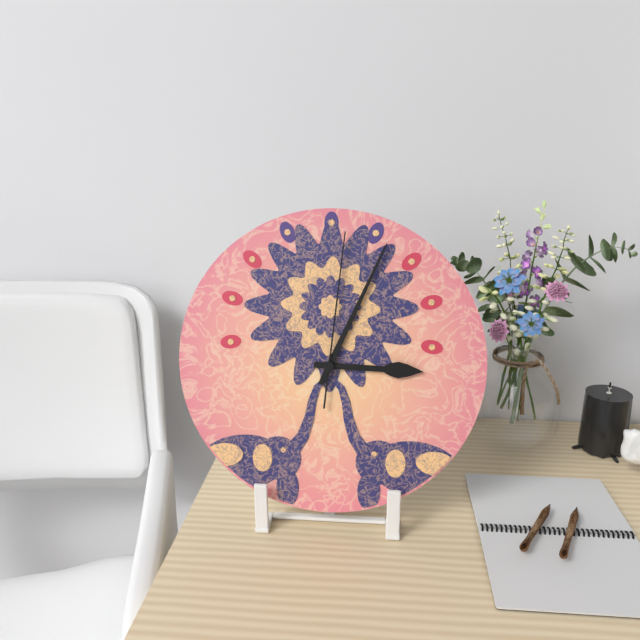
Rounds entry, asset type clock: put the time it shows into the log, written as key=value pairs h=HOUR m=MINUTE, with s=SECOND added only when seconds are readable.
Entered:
h=3 m=4 s=1
